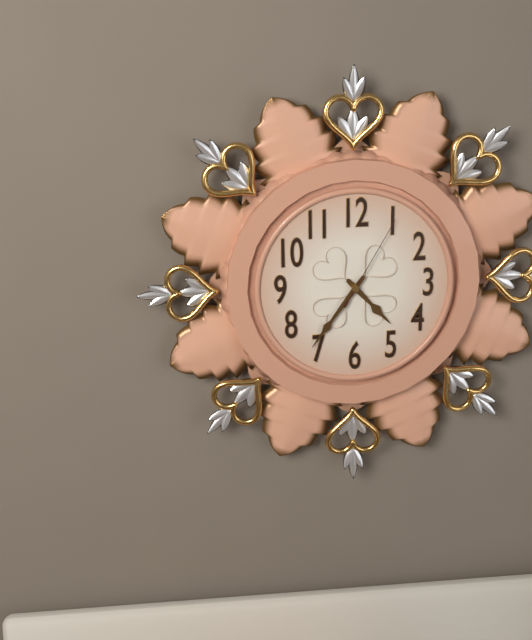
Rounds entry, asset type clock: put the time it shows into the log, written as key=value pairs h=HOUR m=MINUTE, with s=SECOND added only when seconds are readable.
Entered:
h=4 m=36 s=5
